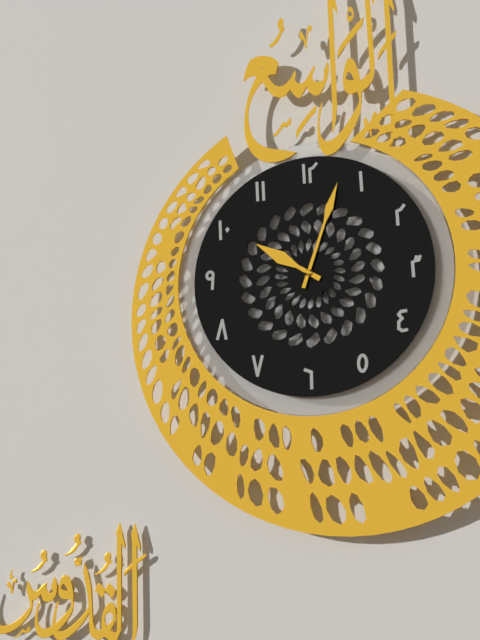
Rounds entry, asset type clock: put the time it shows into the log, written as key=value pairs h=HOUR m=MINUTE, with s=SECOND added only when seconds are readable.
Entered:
h=10 m=3
